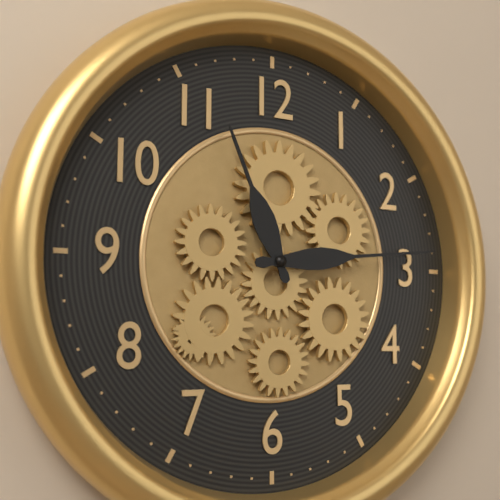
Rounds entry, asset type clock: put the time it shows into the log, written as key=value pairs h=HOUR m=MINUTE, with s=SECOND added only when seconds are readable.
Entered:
h=11 m=14
